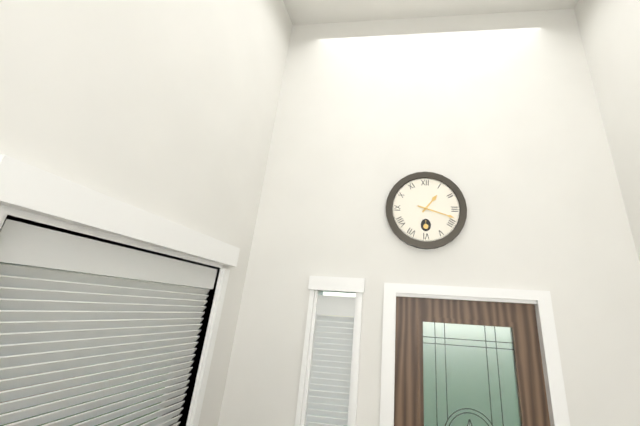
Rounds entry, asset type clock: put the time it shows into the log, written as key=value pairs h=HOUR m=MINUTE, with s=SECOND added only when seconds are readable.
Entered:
h=1 m=18
